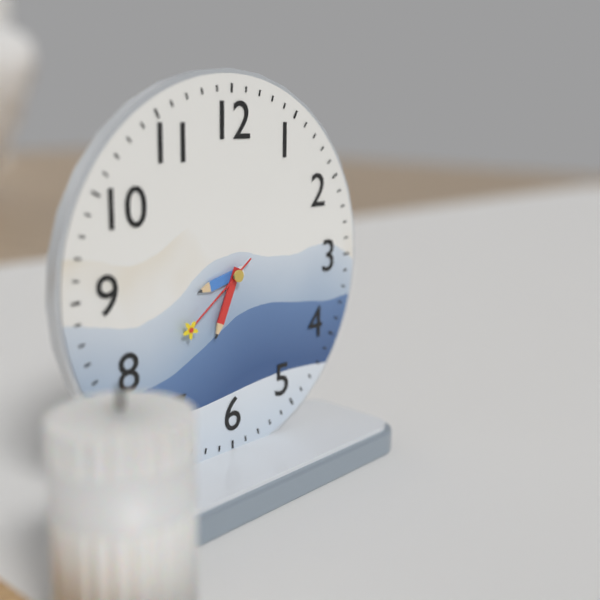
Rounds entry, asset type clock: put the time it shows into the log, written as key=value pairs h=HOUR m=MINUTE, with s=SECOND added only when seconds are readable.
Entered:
h=8 m=34 s=39
